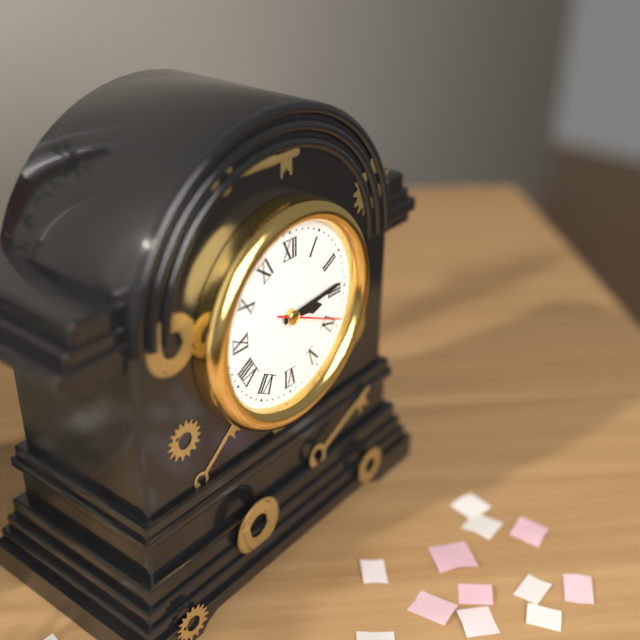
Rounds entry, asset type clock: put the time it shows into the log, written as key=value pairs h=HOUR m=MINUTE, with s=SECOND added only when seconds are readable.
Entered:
h=3 m=14 s=19
